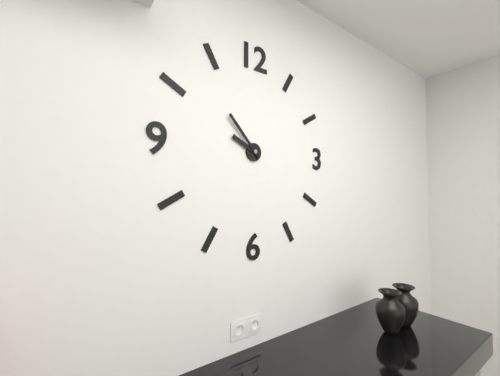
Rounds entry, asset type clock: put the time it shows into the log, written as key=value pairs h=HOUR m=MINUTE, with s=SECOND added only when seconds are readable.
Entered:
h=9 m=53
